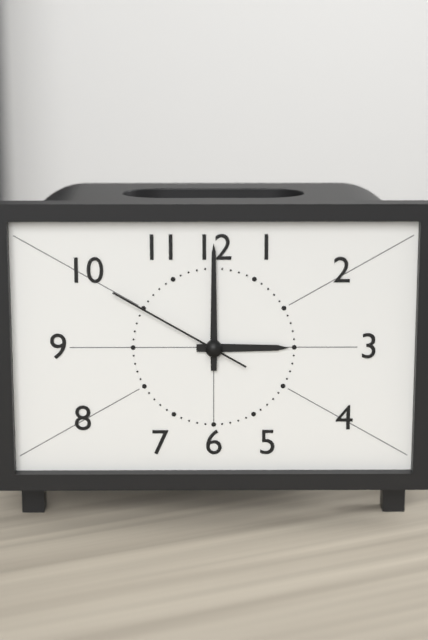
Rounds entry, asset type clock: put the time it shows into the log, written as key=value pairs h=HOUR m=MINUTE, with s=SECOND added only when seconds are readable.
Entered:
h=3 m=0 s=50
